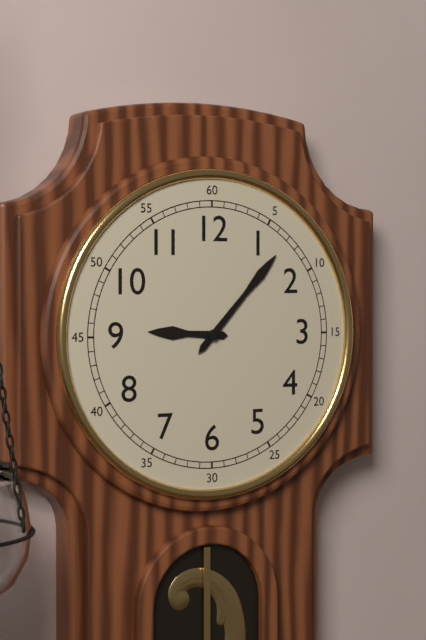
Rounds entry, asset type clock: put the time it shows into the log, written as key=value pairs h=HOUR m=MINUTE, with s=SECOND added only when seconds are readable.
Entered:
h=9 m=7
